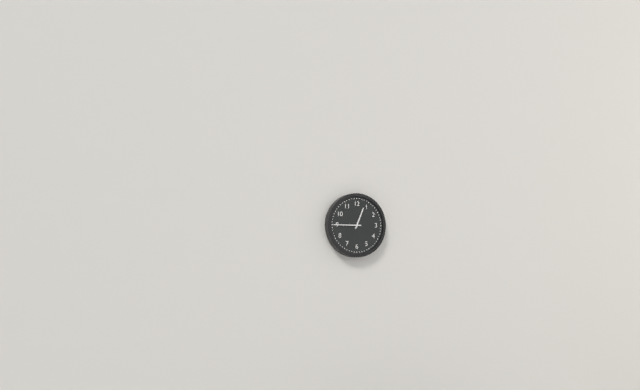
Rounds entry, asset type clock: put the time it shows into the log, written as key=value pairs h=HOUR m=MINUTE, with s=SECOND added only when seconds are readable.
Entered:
h=12 m=45
